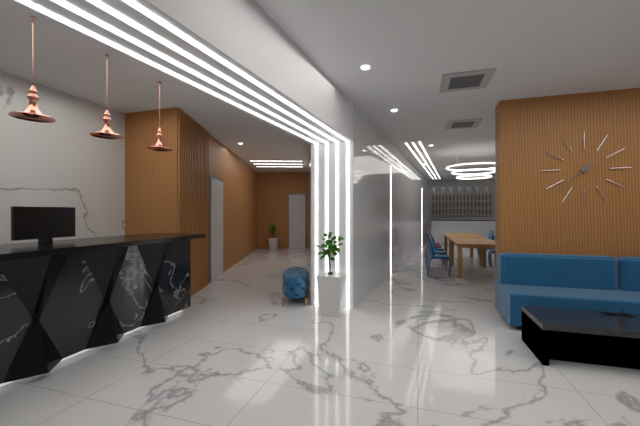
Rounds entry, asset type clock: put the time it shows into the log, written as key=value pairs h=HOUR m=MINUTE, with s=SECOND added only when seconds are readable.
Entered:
h=1 m=38
